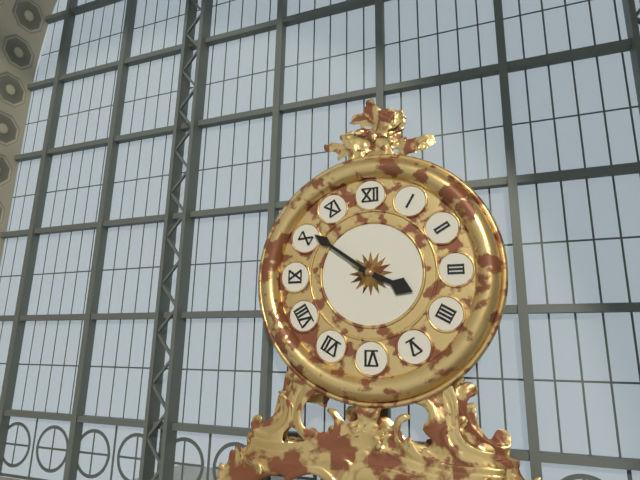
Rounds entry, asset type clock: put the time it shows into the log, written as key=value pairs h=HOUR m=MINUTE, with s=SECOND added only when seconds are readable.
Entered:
h=3 m=51
